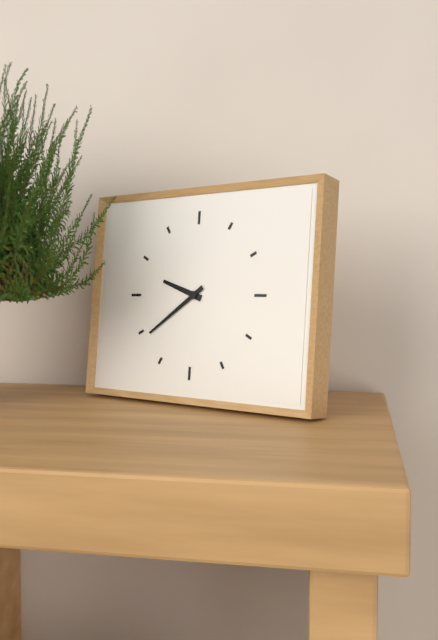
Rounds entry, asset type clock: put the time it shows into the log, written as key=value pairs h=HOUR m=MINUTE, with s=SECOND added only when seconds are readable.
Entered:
h=9 m=39
